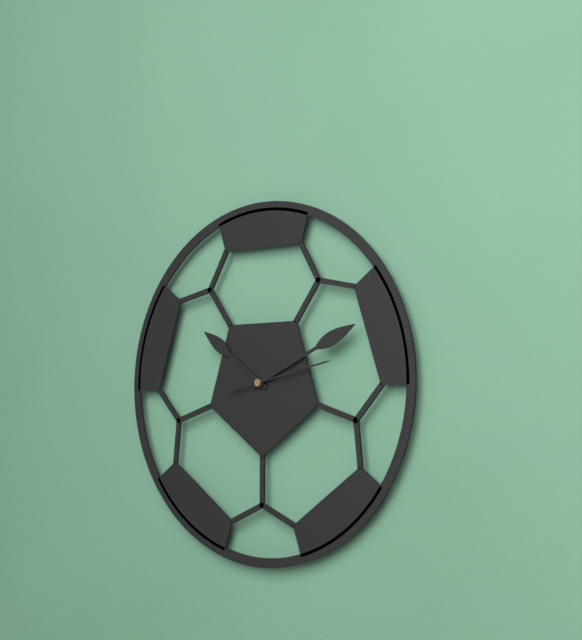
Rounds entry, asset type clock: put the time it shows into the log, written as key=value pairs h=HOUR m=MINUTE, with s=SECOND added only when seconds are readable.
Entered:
h=10 m=11 s=13
